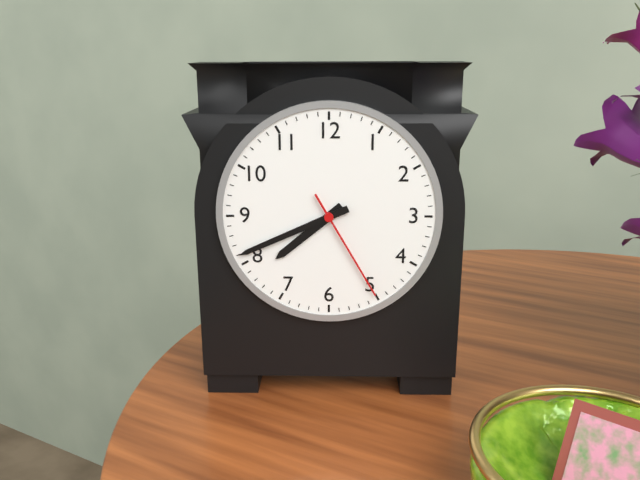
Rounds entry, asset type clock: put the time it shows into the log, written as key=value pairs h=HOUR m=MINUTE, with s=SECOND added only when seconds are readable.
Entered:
h=7 m=41 s=25
